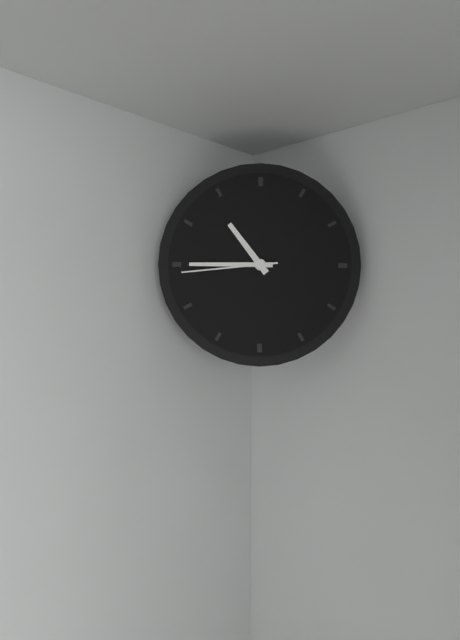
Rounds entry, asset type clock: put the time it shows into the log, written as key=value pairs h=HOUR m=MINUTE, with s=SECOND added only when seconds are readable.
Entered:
h=10 m=45 s=44
